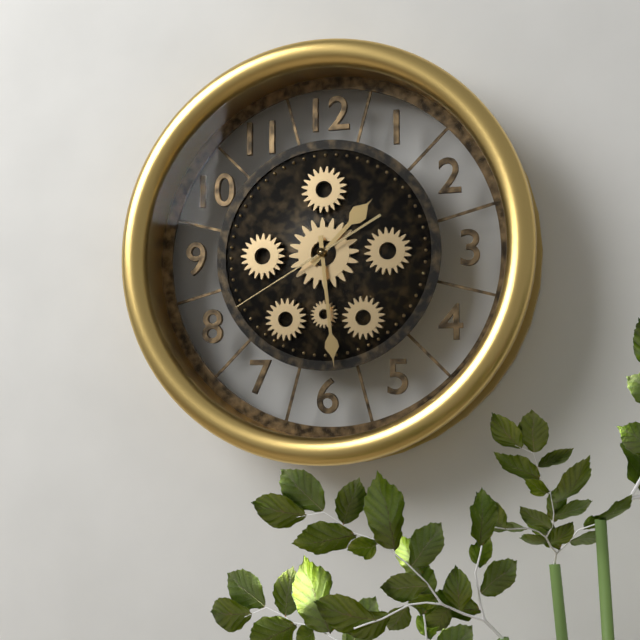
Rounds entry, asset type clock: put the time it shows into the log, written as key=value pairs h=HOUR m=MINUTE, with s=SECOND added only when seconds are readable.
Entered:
h=1 m=29 s=40
